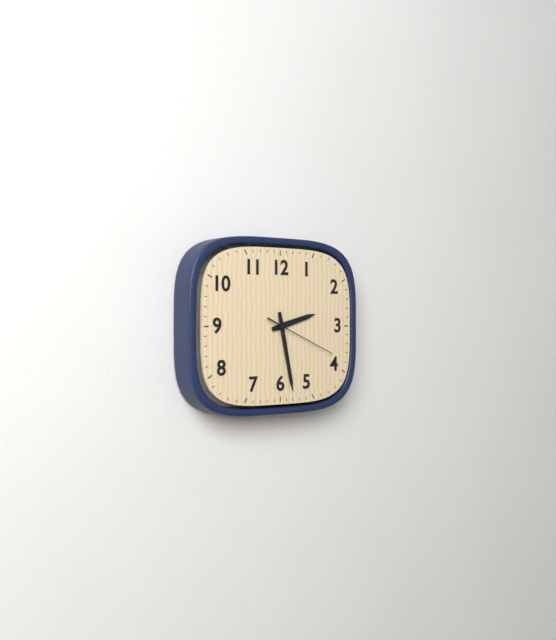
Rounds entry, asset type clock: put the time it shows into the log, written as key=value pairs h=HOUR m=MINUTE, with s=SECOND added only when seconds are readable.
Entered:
h=2 m=28 s=19
